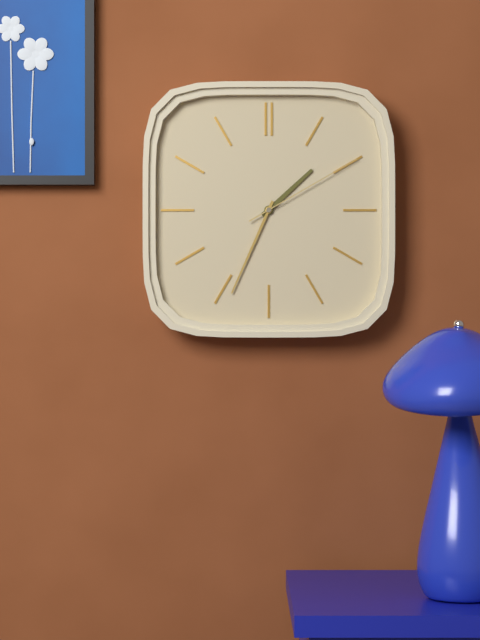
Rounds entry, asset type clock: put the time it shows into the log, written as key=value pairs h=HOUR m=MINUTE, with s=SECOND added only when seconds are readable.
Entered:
h=1 m=34 s=10
